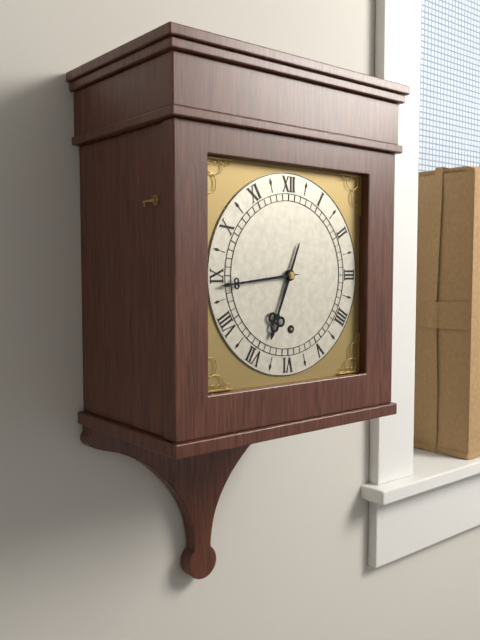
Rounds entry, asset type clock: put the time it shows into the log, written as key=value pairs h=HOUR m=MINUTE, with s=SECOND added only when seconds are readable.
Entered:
h=6 m=44
